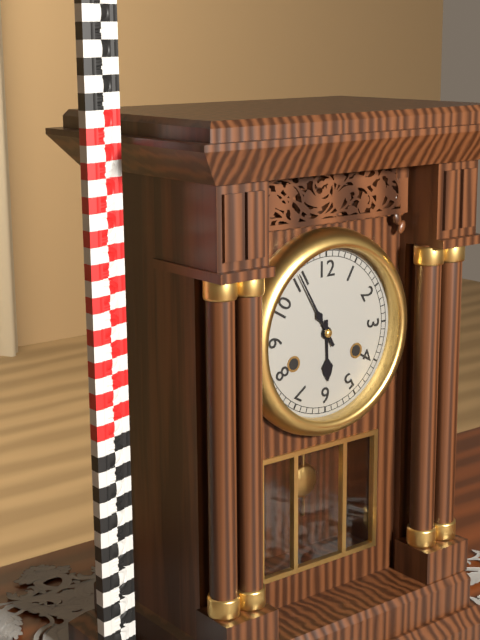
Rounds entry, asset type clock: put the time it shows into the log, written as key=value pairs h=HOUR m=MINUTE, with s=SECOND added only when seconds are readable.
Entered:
h=5 m=55
